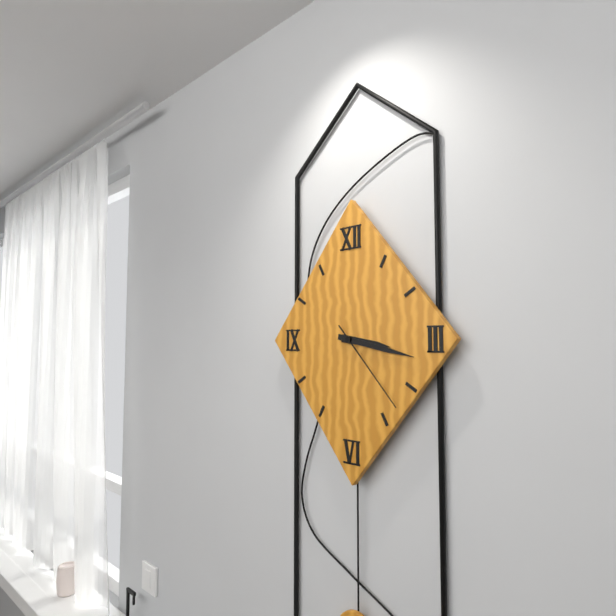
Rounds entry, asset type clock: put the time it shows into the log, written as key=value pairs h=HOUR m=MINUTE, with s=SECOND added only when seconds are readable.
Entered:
h=3 m=17 s=23
